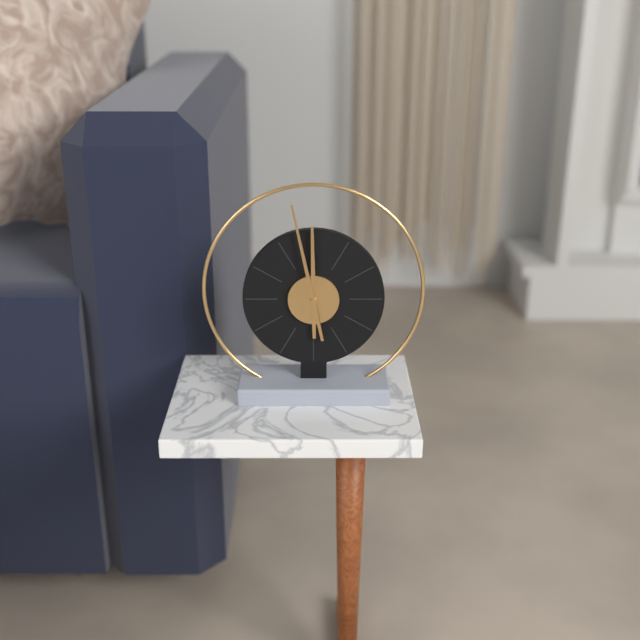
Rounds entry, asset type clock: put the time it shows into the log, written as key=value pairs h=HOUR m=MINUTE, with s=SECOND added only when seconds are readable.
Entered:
h=11 m=58
